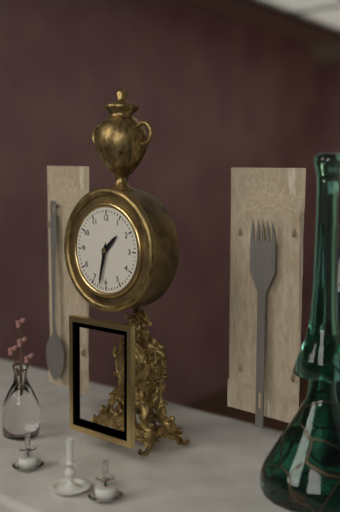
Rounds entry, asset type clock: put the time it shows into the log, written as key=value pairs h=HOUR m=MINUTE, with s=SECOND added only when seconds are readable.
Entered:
h=1 m=32
